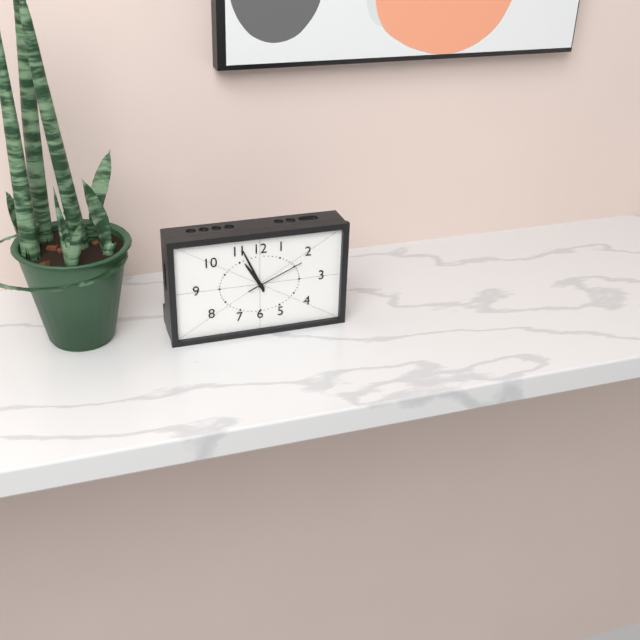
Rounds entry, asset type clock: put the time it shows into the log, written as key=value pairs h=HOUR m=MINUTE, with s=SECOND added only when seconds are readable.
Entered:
h=10 m=56 s=11
